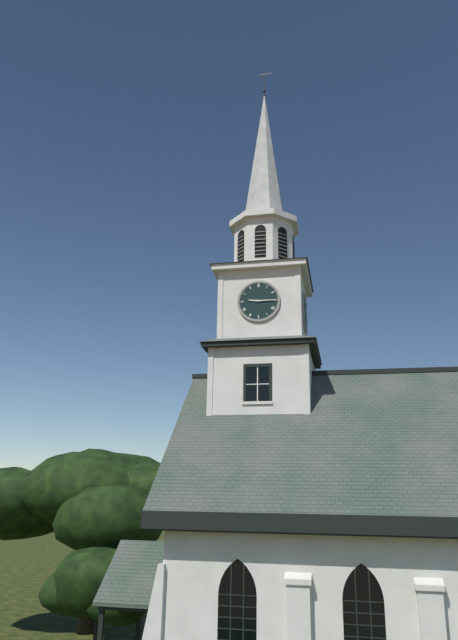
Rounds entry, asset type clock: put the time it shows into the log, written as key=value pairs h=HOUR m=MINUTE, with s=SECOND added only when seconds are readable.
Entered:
h=9 m=15
